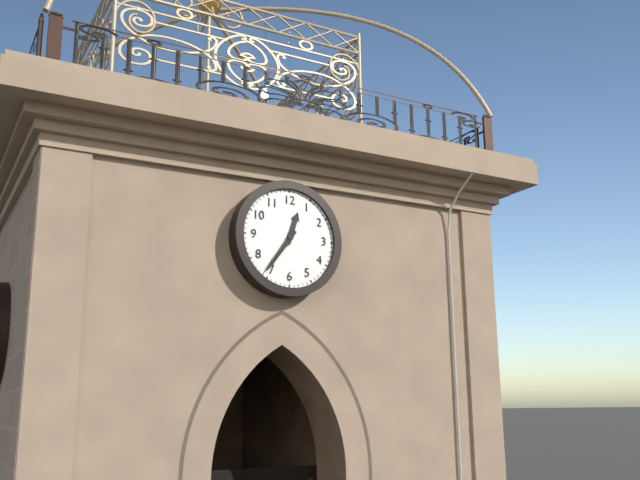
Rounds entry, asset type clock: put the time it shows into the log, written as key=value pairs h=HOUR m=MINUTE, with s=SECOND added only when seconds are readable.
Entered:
h=12 m=36
